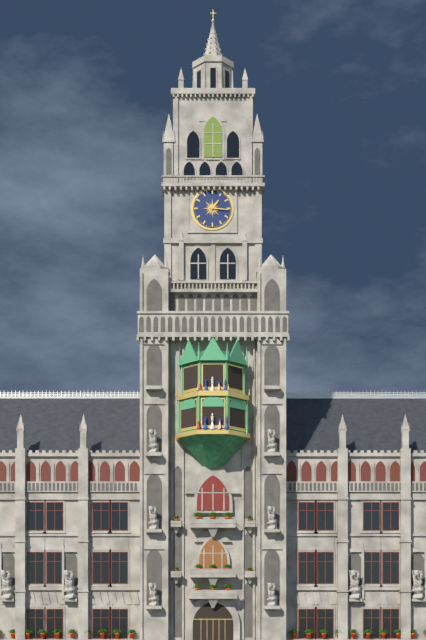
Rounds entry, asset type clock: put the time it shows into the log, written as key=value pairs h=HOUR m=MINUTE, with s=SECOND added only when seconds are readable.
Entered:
h=1 m=16
